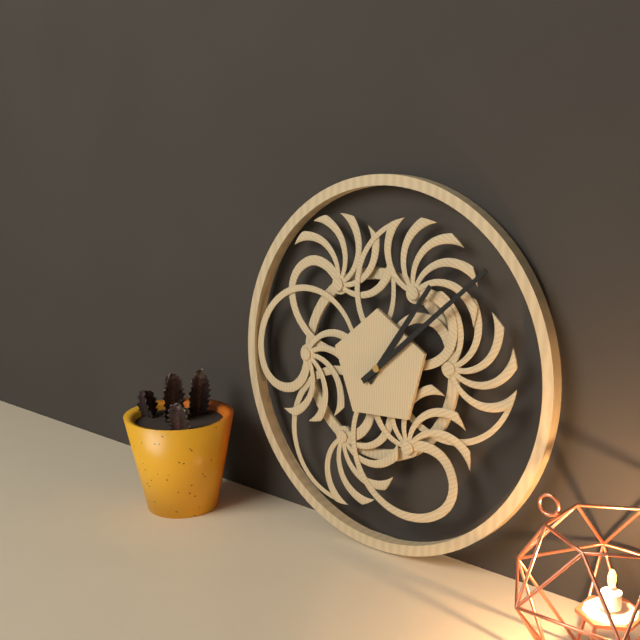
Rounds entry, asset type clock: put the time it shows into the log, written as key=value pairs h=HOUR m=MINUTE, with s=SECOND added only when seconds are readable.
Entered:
h=1 m=8
